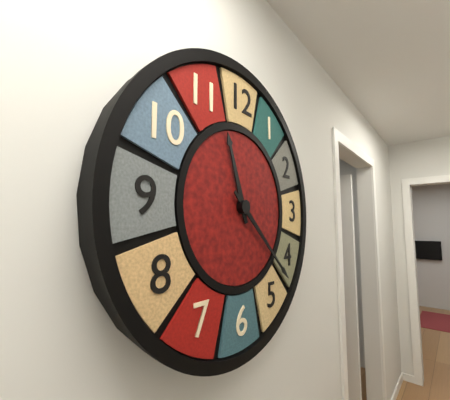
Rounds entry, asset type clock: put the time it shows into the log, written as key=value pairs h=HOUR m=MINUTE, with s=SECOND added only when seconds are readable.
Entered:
h=11 m=22
